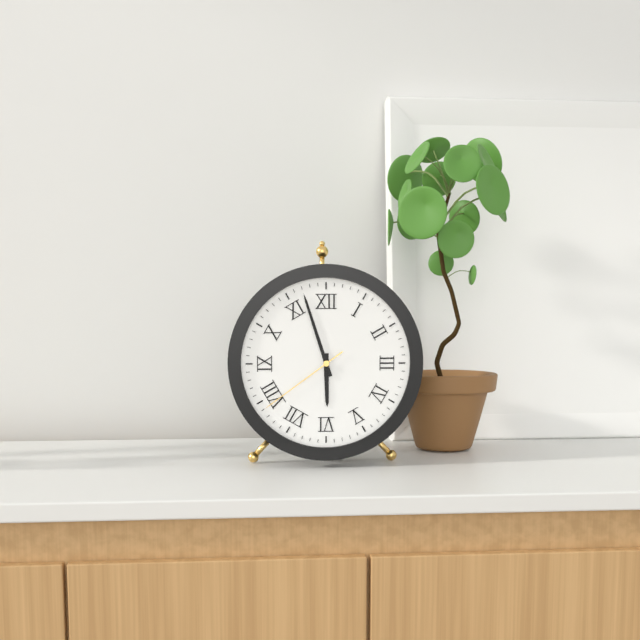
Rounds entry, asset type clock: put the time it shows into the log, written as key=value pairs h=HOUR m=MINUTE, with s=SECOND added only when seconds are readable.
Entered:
h=5 m=57 s=39
